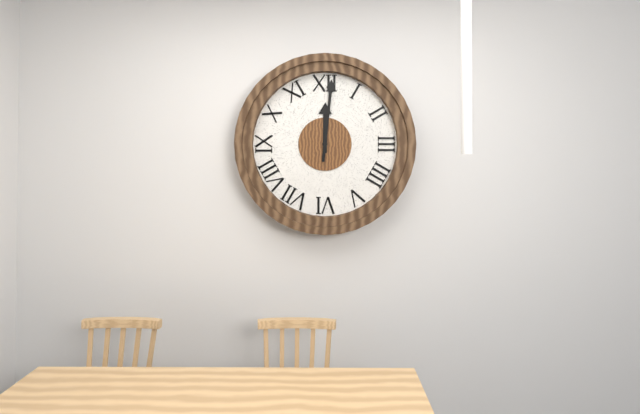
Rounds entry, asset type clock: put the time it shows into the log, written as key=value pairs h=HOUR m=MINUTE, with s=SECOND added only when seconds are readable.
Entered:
h=12 m=1
